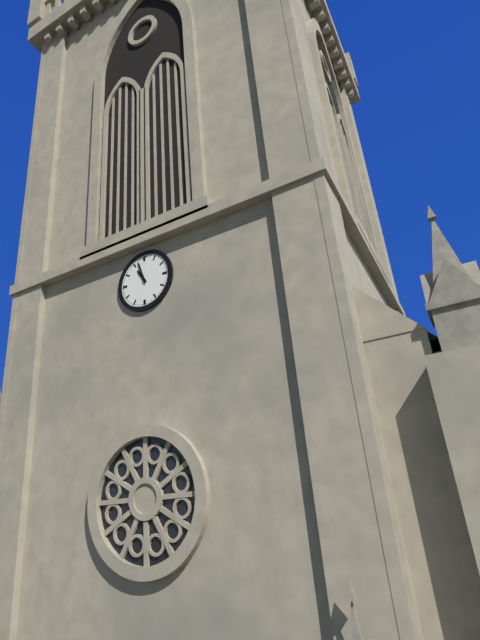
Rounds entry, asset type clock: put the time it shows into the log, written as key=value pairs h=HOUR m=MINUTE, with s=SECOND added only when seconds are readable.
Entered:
h=10 m=57
